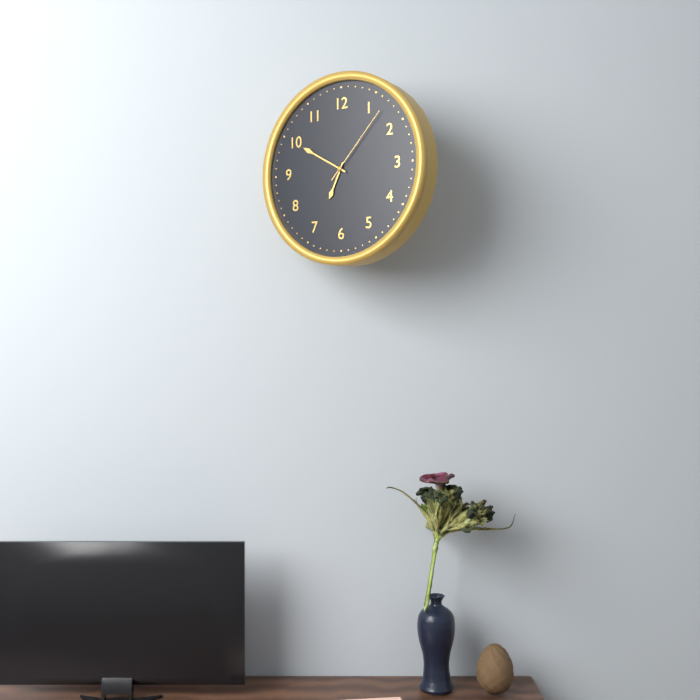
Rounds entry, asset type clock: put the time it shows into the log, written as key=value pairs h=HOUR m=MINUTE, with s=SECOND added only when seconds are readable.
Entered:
h=6 m=50 s=7
